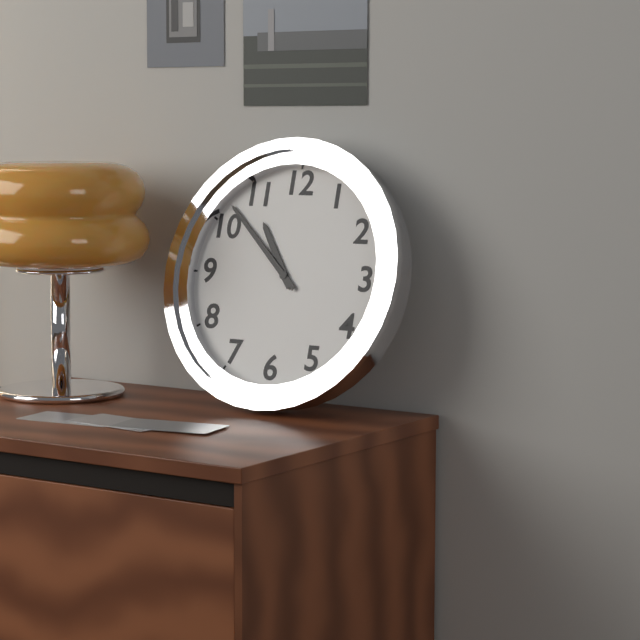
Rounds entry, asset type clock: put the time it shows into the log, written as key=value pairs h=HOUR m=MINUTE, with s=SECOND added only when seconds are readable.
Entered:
h=10 m=52
